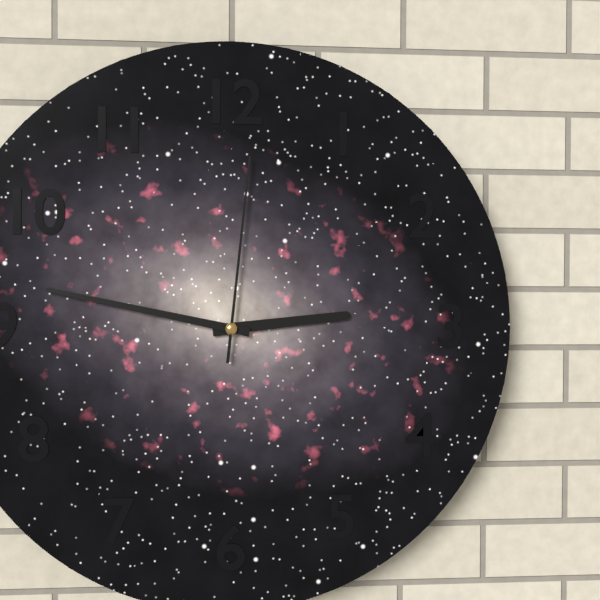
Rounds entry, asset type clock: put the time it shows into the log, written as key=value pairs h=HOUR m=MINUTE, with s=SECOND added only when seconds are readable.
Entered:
h=2 m=47 s=1
